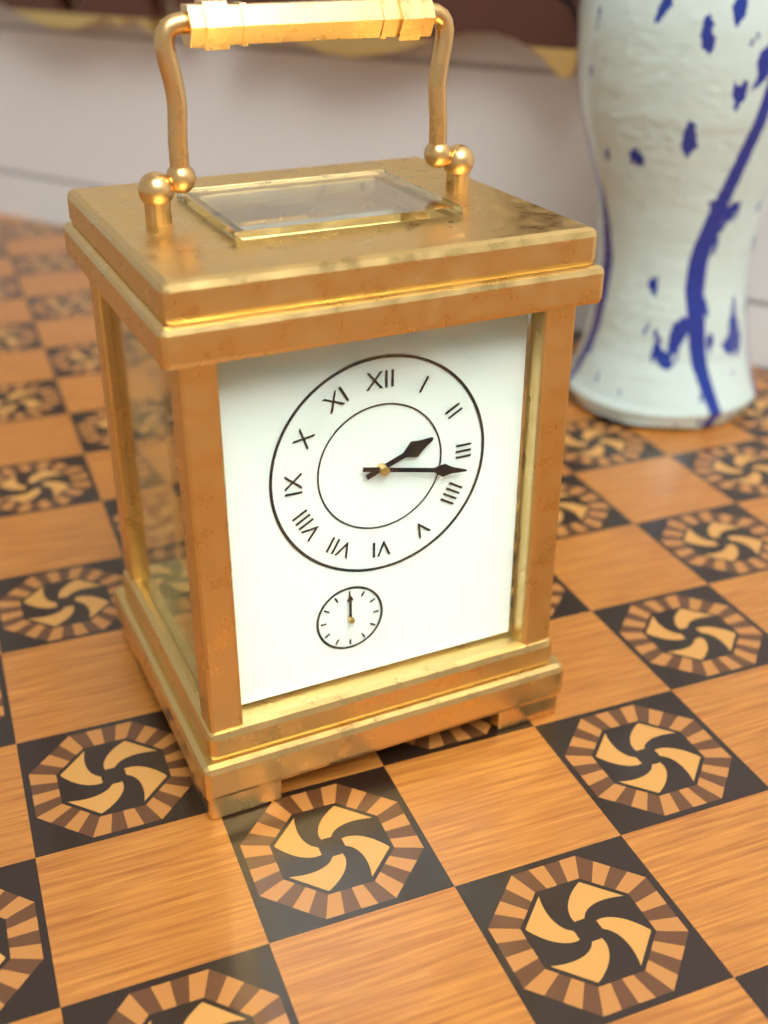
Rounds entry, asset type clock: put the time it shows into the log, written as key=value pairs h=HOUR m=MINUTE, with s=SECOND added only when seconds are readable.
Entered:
h=2 m=17
